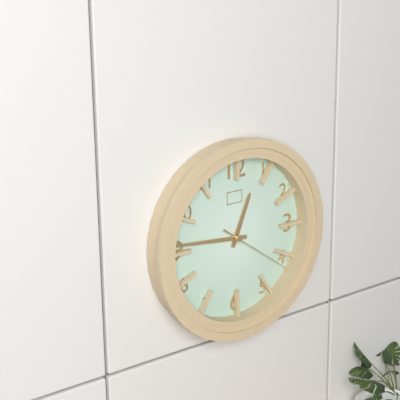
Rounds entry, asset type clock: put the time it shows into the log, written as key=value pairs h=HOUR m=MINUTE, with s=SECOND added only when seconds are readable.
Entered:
h=12 m=46 s=21
